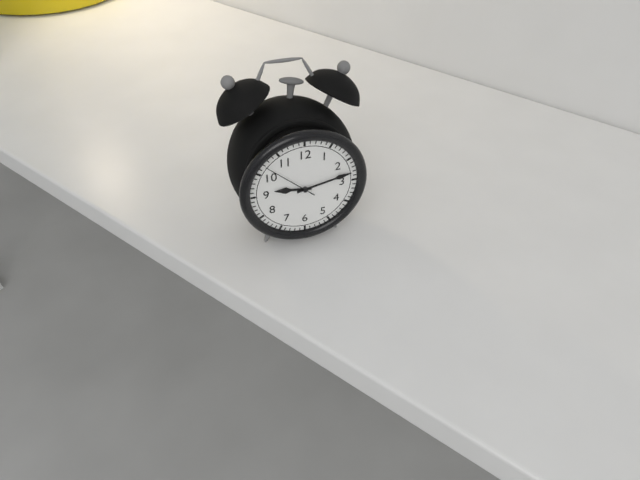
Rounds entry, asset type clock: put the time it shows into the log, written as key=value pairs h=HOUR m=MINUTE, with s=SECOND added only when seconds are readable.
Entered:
h=9 m=13 s=52
